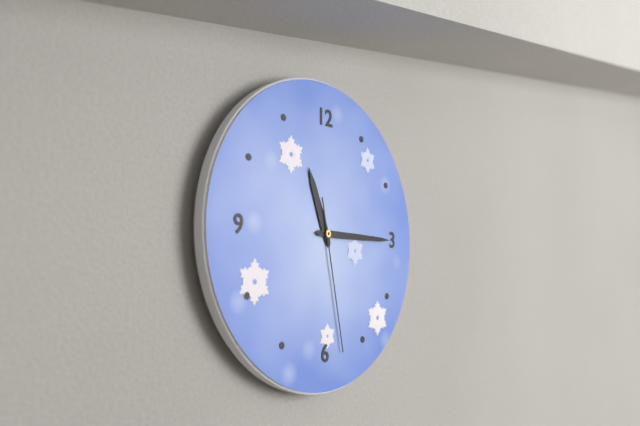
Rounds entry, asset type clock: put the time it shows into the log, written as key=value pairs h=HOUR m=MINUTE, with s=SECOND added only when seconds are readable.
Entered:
h=11 m=15 s=28
